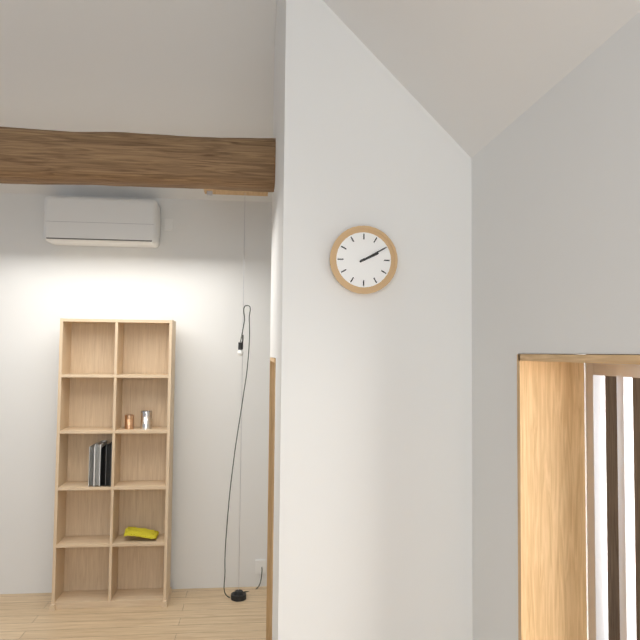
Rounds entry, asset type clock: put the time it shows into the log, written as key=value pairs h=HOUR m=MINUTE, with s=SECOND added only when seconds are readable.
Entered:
h=2 m=10
